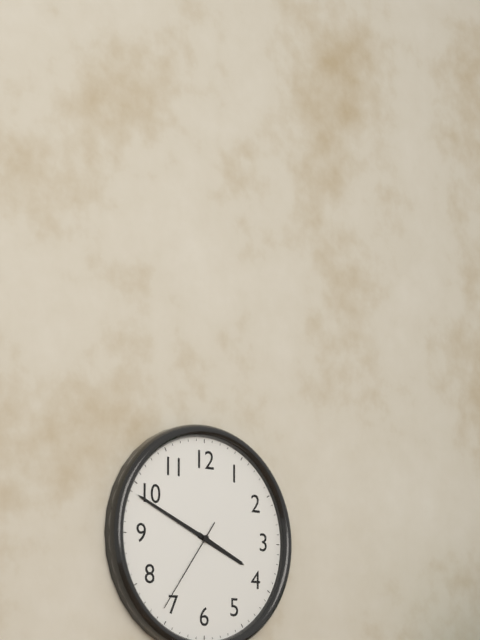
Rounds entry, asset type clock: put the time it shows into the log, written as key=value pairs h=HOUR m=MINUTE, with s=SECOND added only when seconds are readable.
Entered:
h=3 m=49 s=36
